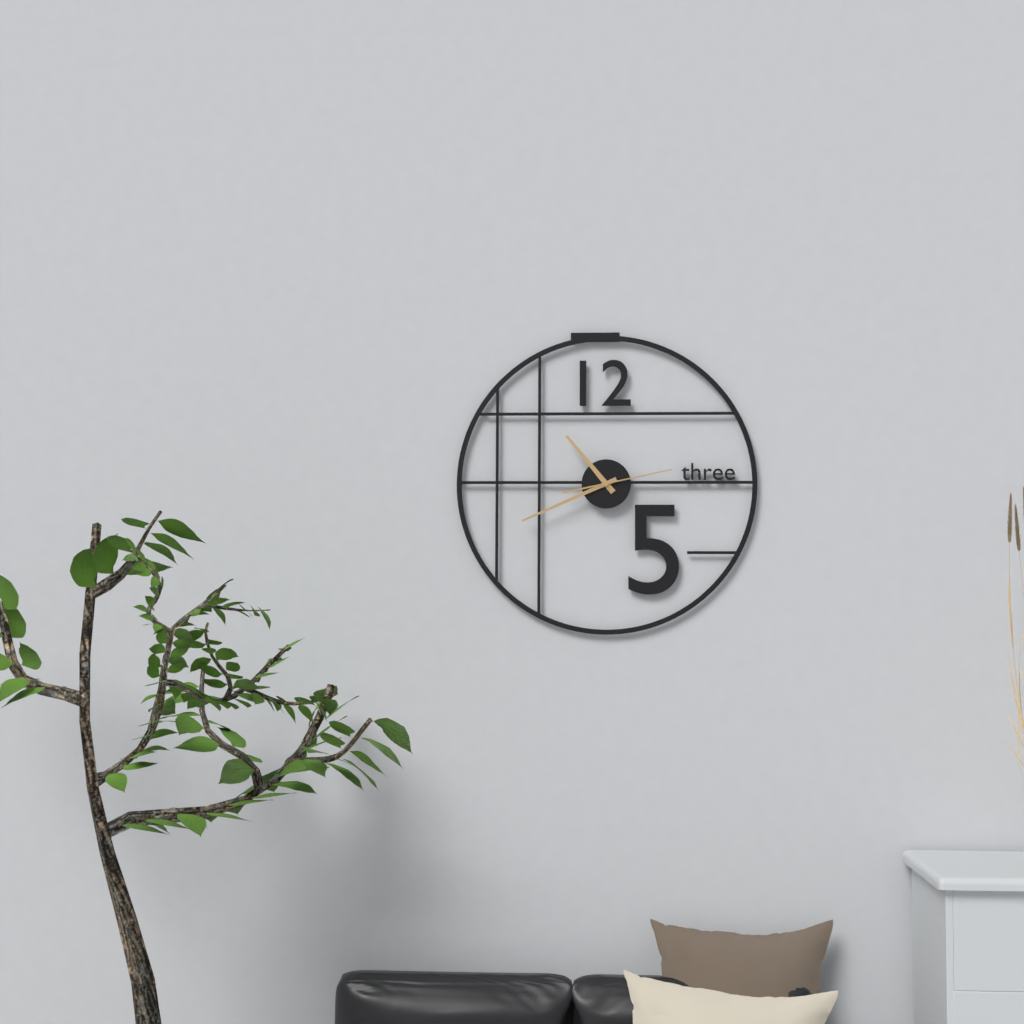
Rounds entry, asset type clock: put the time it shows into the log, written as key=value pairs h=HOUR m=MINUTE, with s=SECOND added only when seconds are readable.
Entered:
h=10 m=41 s=13
